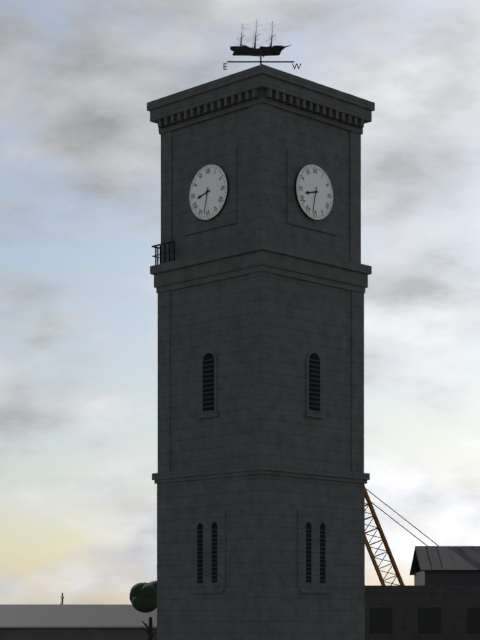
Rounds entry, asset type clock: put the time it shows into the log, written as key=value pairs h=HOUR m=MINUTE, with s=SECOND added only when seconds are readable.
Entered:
h=8 m=32
